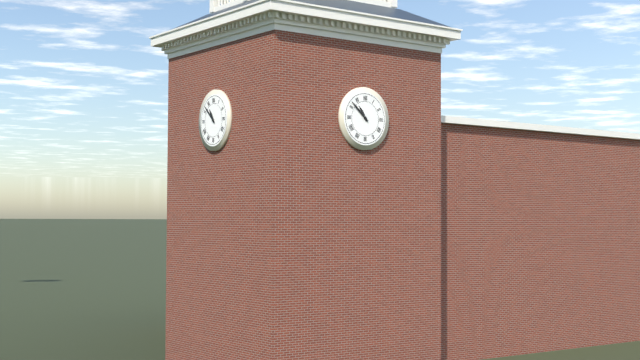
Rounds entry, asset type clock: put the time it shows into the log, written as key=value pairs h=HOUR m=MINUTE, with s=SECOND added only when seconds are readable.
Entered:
h=10 m=52
